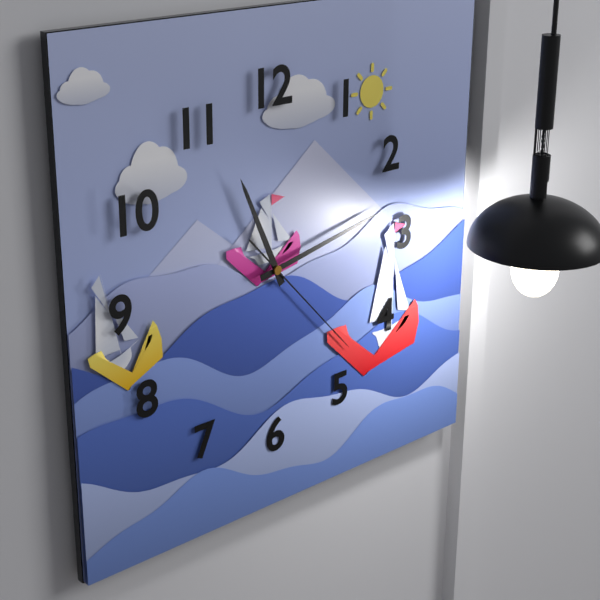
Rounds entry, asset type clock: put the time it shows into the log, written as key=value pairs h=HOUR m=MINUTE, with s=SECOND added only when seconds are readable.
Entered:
h=11 m=13 s=23
